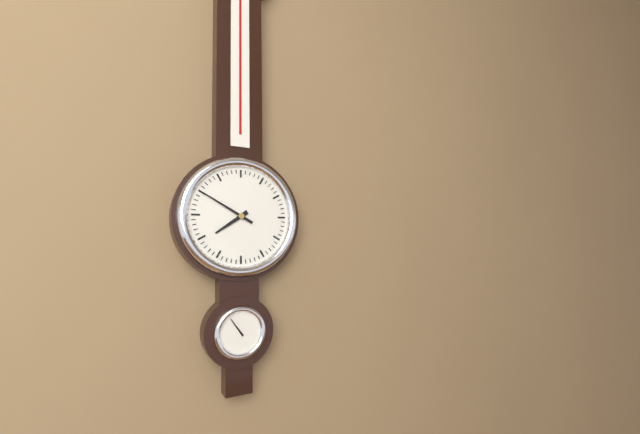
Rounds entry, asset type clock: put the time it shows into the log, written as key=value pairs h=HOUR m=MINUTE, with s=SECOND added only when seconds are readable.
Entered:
h=7 m=50
